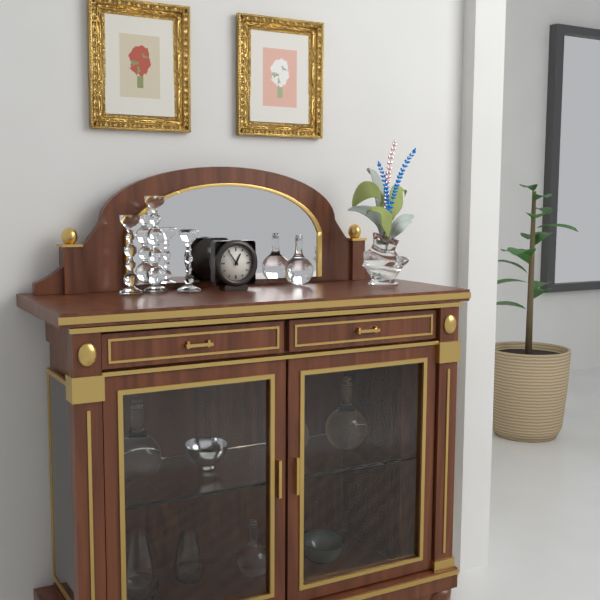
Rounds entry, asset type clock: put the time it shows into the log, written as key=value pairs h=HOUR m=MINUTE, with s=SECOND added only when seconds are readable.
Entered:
h=12 m=54
